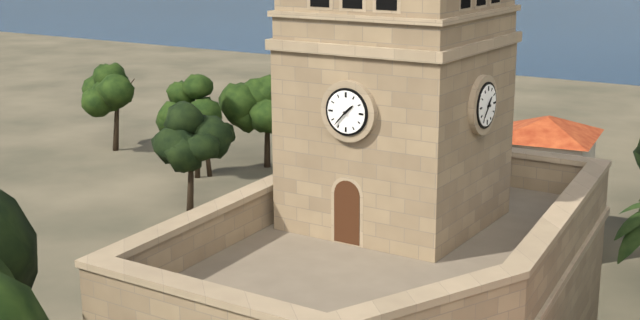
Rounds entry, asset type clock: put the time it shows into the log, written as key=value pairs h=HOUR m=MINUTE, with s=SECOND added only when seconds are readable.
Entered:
h=1 m=37
